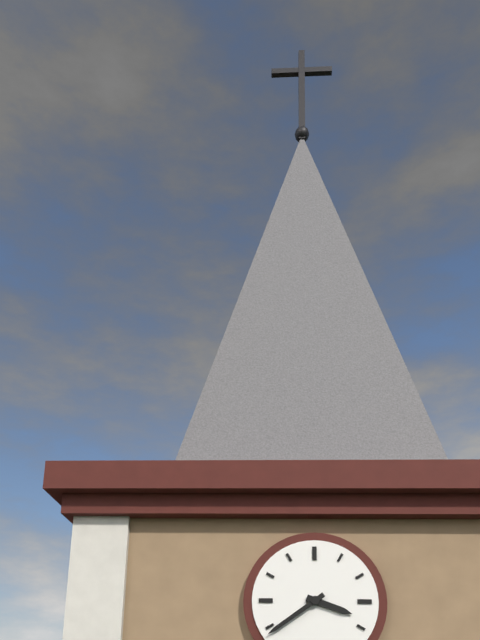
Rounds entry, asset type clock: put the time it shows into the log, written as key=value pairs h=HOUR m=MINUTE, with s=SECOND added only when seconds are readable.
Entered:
h=3 m=39
